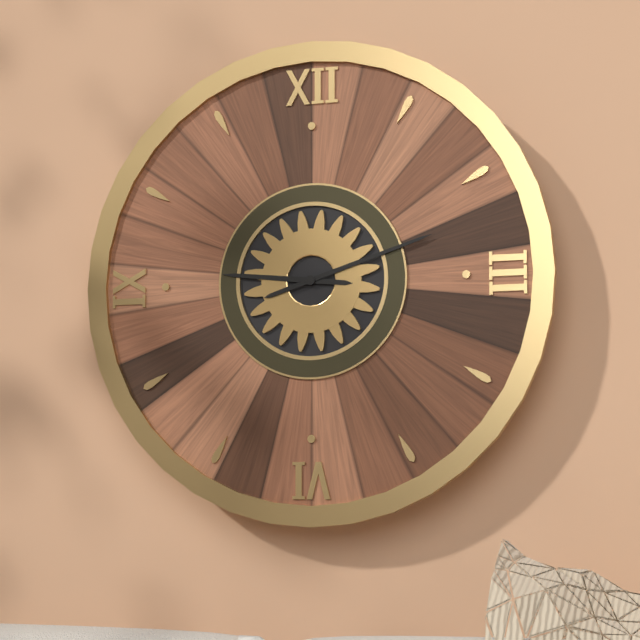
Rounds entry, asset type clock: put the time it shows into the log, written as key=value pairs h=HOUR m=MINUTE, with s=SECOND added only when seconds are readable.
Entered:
h=9 m=12
